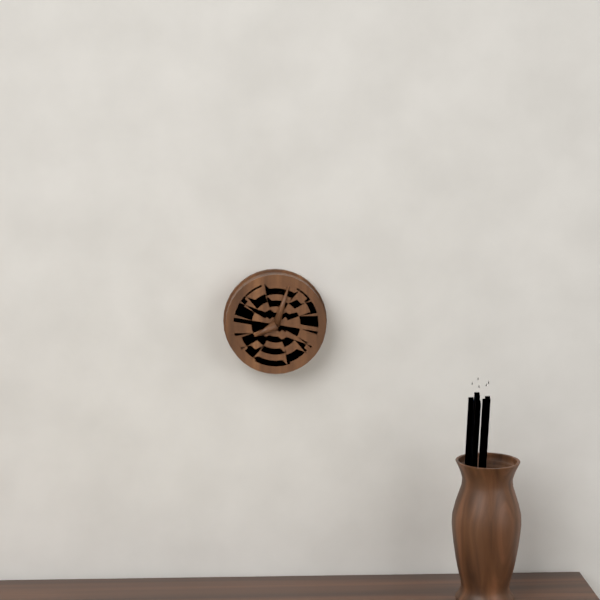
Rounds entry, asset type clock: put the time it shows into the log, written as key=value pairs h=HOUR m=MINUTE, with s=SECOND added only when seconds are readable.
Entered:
h=8 m=3
